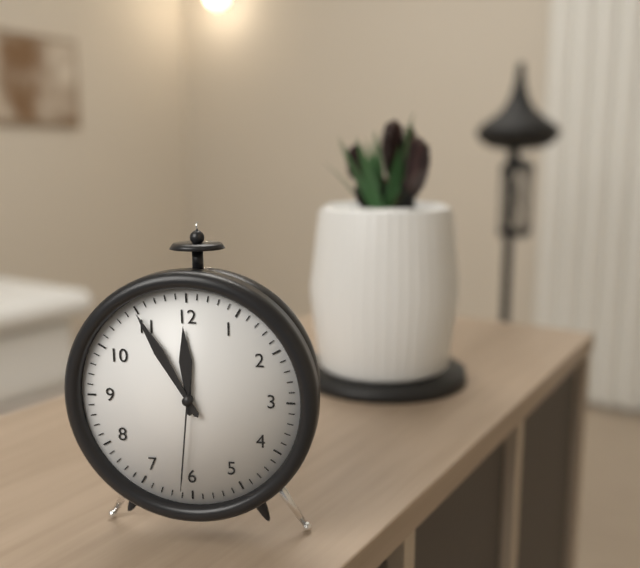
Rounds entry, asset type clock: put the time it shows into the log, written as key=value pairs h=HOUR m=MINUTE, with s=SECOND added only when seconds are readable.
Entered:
h=11 m=55 s=31
